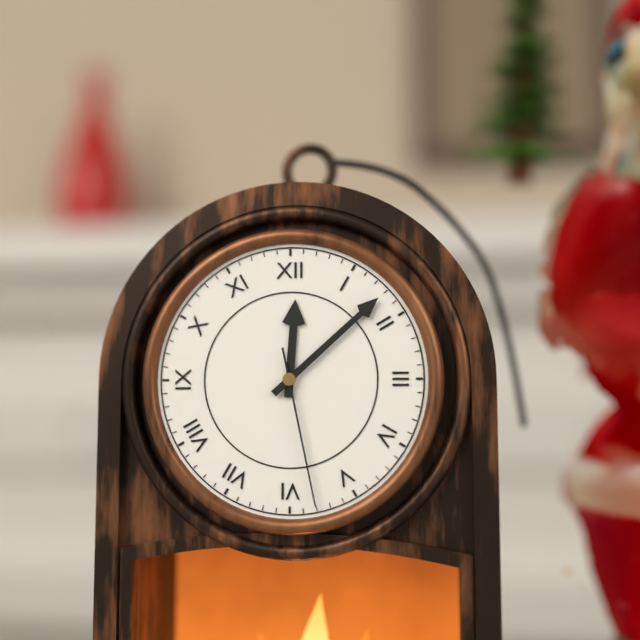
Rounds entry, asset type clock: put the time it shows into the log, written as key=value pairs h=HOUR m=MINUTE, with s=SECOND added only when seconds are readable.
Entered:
h=12 m=8 s=28
